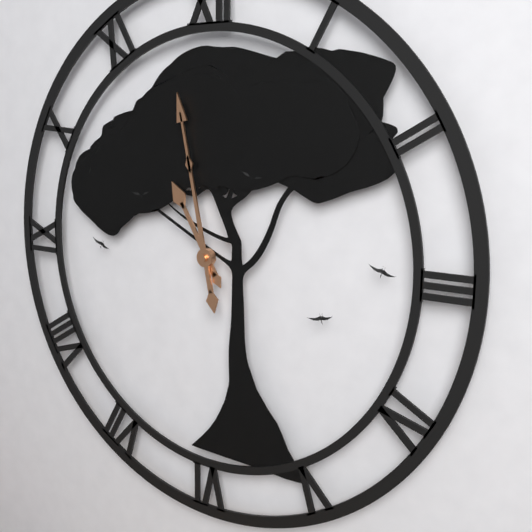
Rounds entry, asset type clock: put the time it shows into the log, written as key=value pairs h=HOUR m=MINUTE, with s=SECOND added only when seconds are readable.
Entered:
h=10 m=58
